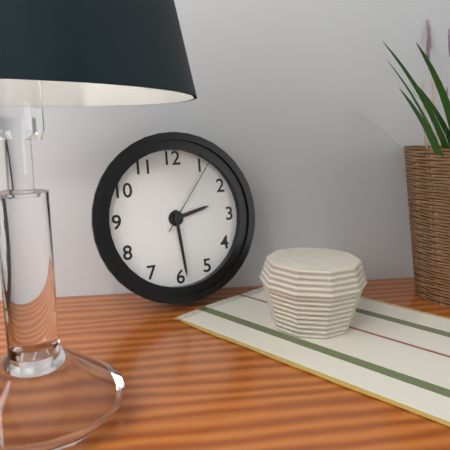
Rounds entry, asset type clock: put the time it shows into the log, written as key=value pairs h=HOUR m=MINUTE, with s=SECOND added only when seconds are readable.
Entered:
h=2 m=29 s=6
